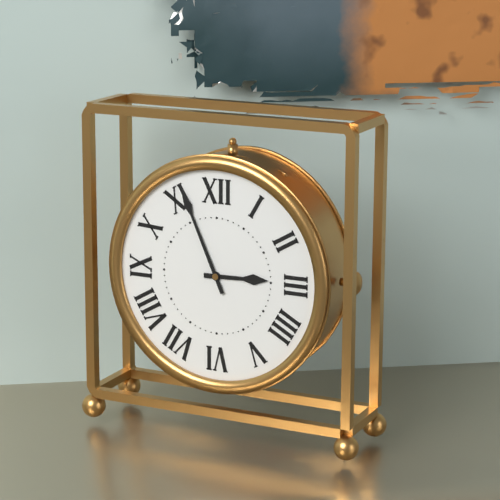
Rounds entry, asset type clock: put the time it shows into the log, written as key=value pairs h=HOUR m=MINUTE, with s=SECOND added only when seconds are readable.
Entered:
h=2 m=56
